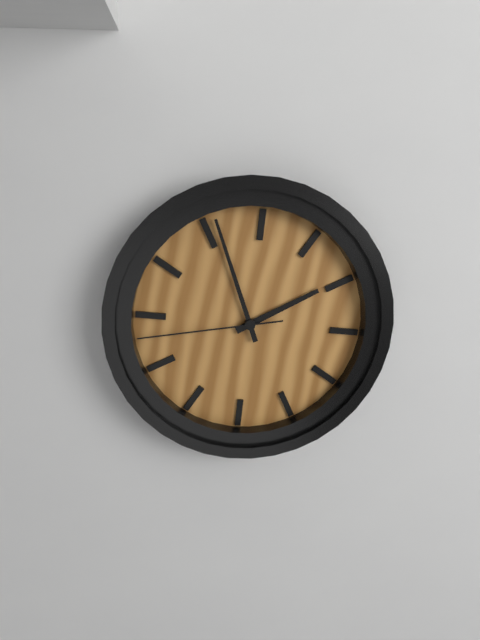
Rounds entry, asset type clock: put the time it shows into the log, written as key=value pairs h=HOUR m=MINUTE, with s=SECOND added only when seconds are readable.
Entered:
h=1 m=56 s=43
